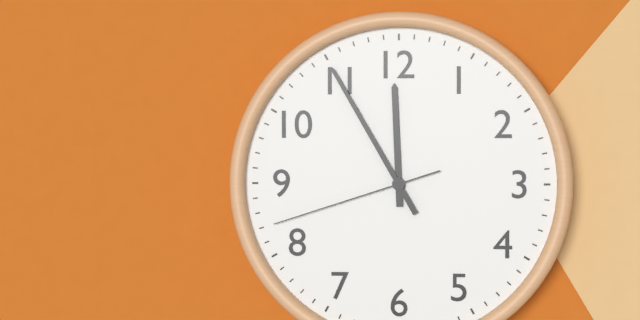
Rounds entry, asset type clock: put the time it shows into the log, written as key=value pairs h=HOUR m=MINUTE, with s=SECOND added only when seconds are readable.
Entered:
h=11 m=55 s=42
